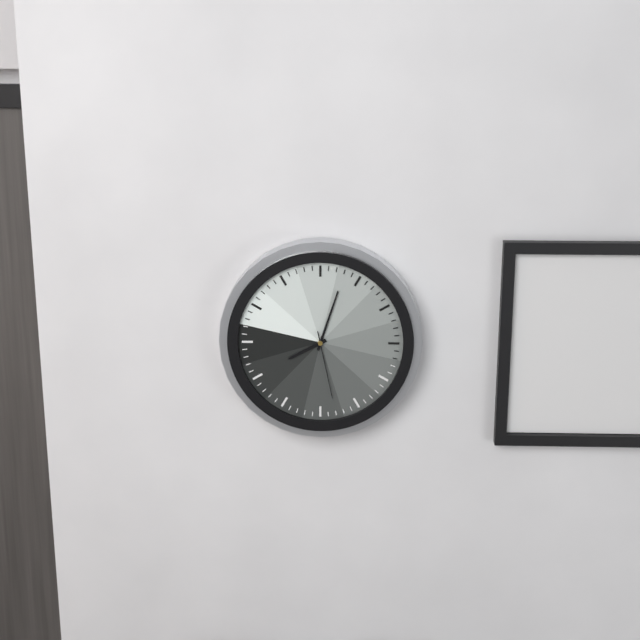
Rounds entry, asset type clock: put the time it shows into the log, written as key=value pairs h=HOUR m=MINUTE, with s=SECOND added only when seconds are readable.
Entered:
h=8 m=3 s=28
